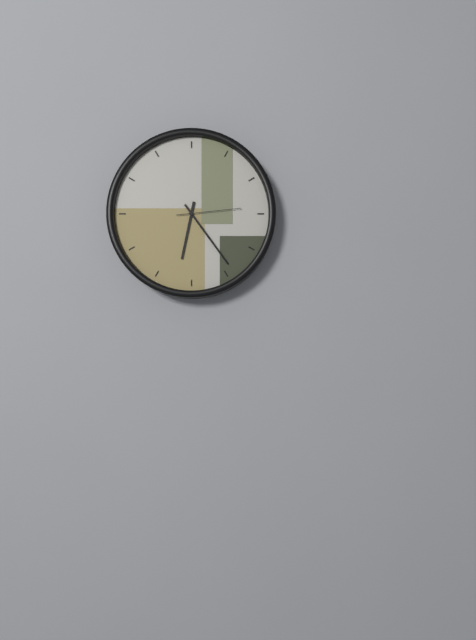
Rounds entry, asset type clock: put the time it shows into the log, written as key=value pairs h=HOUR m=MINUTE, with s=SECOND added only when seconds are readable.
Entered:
h=6 m=24 s=14
